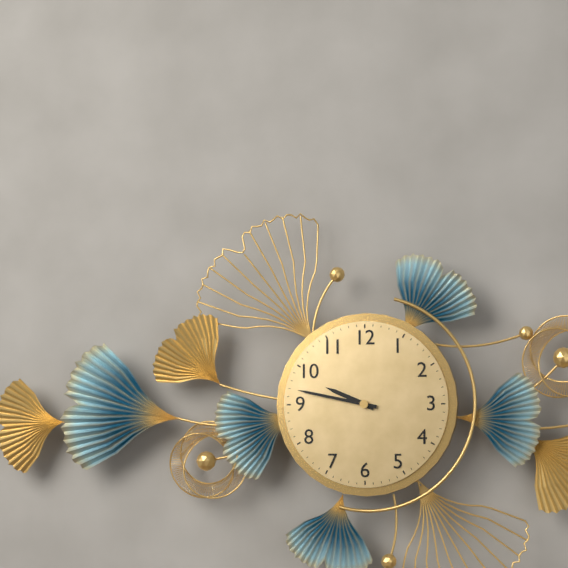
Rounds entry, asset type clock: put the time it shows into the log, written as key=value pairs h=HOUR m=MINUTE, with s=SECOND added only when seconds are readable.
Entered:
h=9 m=47
